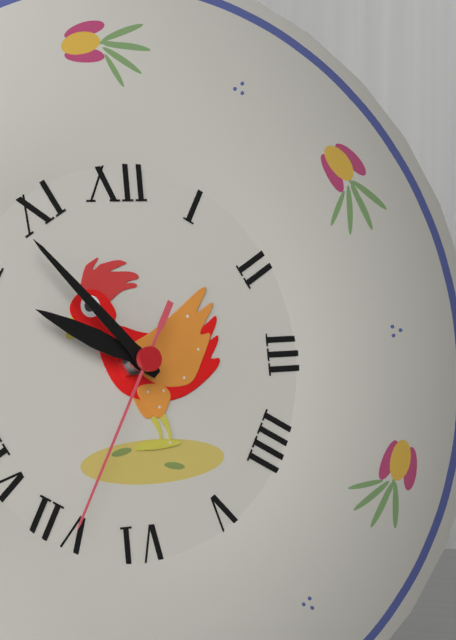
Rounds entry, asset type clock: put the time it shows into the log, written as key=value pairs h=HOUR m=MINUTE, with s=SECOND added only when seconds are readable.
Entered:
h=9 m=53 s=35
